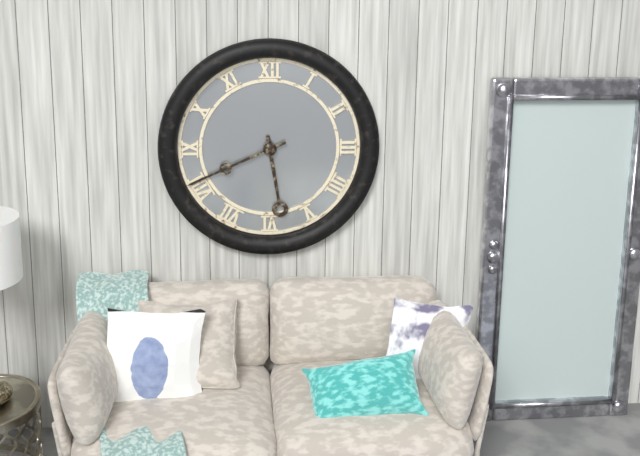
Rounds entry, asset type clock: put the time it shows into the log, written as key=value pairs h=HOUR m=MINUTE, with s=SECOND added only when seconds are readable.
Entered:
h=5 m=41
